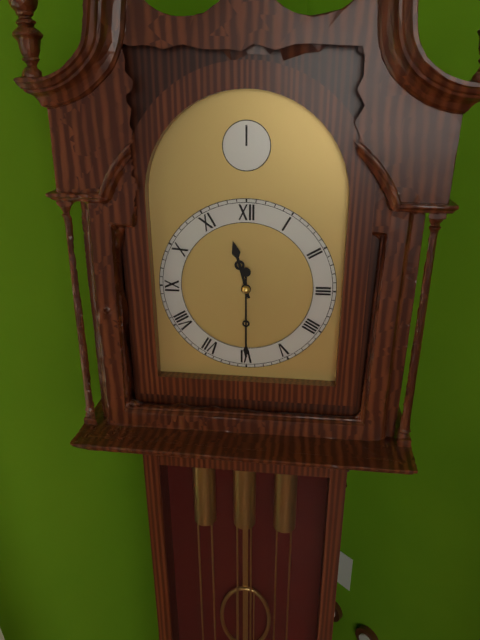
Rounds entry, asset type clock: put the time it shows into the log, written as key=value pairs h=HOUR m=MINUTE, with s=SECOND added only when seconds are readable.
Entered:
h=11 m=30
